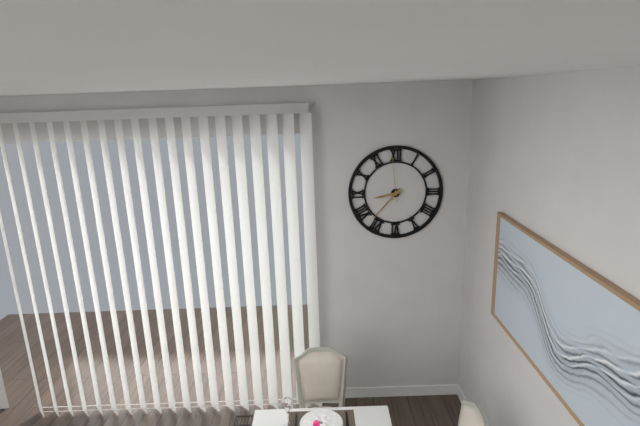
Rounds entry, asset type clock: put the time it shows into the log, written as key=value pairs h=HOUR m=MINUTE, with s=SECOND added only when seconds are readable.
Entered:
h=8 m=37
